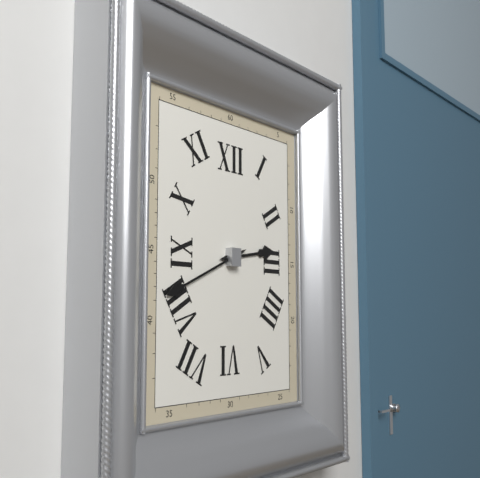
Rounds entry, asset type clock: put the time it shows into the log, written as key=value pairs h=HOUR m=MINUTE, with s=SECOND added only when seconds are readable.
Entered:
h=2 m=41
